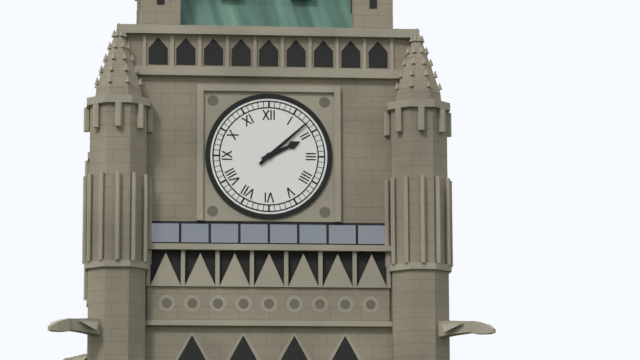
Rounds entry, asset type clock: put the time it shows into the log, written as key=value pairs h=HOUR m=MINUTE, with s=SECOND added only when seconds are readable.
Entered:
h=2 m=8
